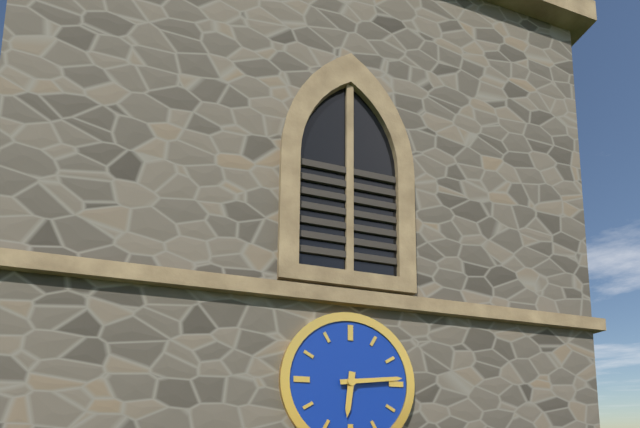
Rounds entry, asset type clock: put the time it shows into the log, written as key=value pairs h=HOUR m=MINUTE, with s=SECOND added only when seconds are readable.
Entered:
h=6 m=14
